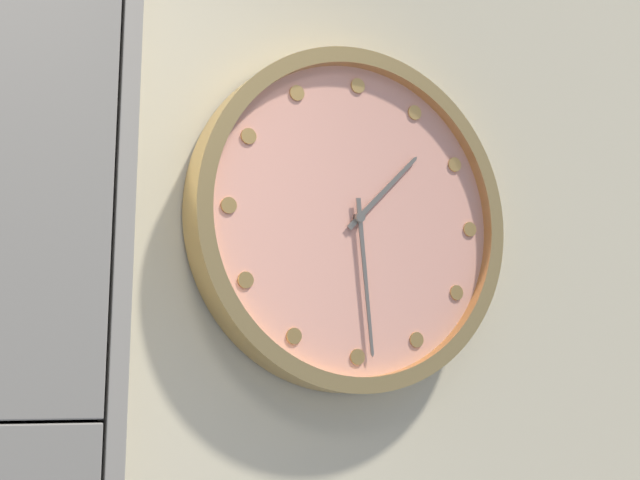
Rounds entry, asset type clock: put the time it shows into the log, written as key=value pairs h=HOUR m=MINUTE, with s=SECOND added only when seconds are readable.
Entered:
h=1 m=29
